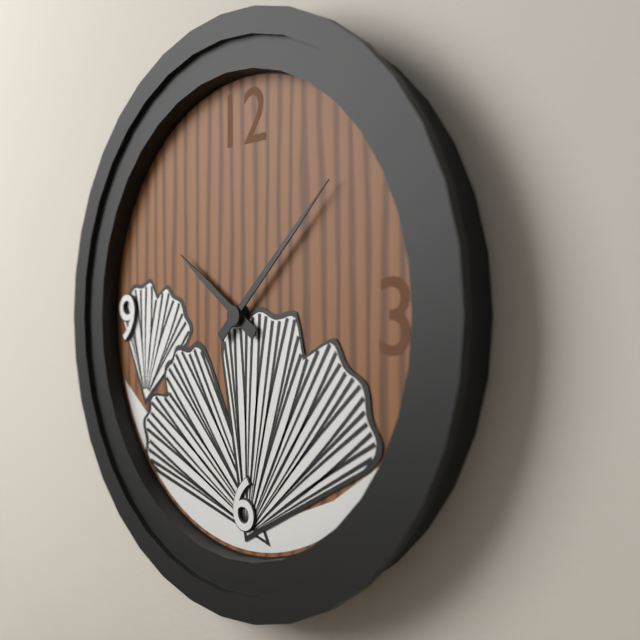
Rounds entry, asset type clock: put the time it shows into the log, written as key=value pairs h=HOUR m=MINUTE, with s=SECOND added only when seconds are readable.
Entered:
h=10 m=8
